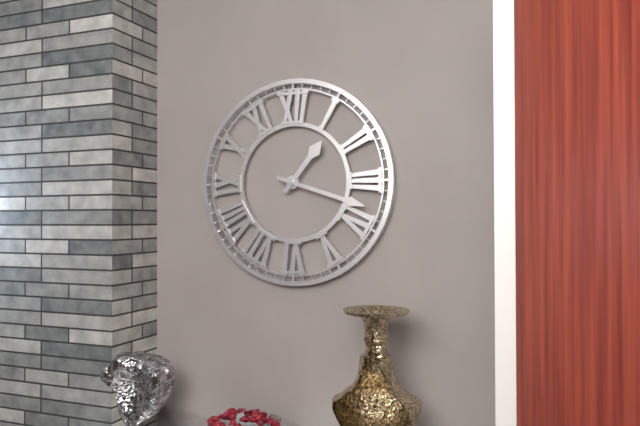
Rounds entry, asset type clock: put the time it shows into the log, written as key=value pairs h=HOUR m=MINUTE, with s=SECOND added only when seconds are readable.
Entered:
h=1 m=18
